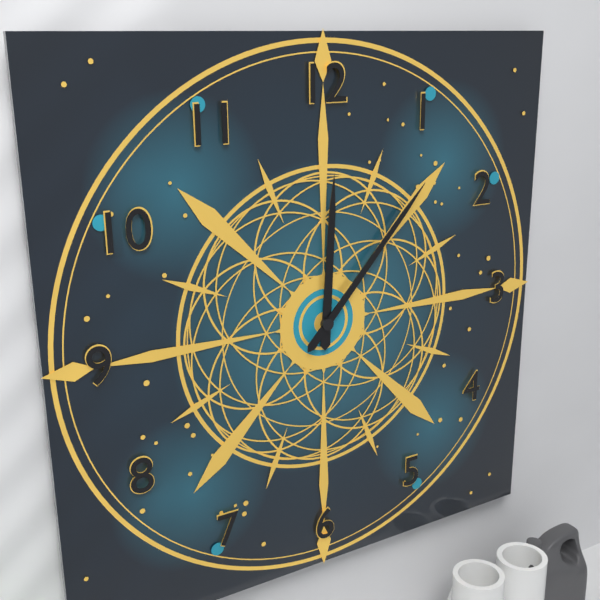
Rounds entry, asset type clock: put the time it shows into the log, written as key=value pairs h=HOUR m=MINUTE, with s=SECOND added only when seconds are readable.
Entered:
h=12 m=7
